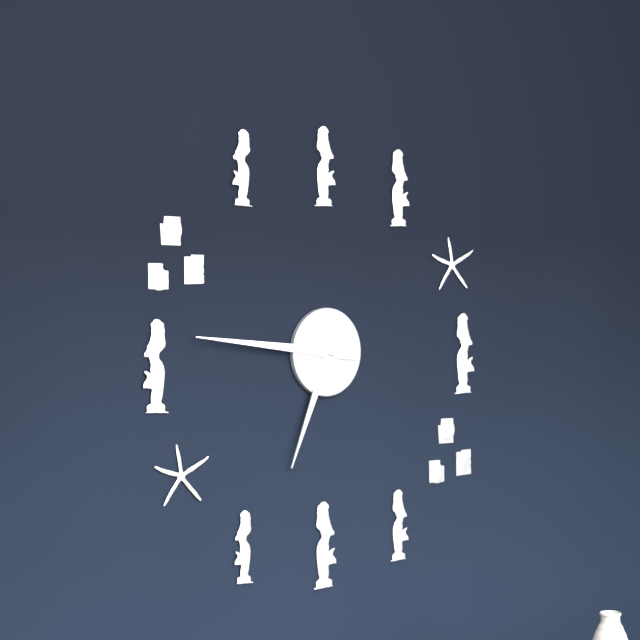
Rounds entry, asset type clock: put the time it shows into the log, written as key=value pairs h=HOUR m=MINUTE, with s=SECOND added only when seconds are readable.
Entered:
h=6 m=46
